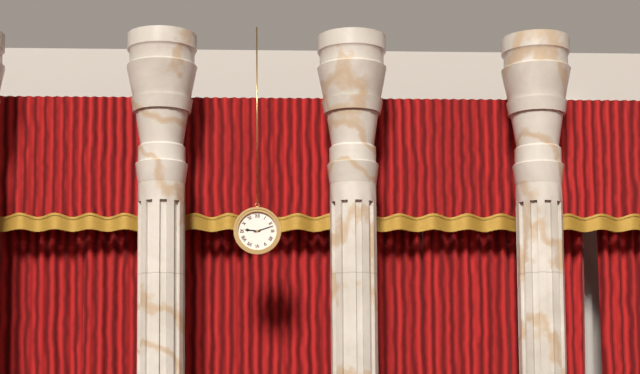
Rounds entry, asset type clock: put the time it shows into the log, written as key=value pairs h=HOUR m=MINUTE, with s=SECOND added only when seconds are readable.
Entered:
h=9 m=12
